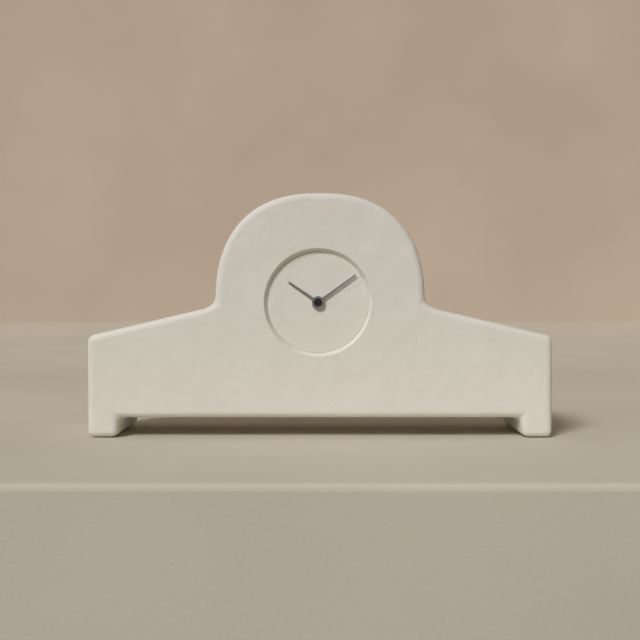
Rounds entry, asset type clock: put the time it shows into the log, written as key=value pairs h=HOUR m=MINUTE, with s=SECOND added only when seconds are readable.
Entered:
h=10 m=9
